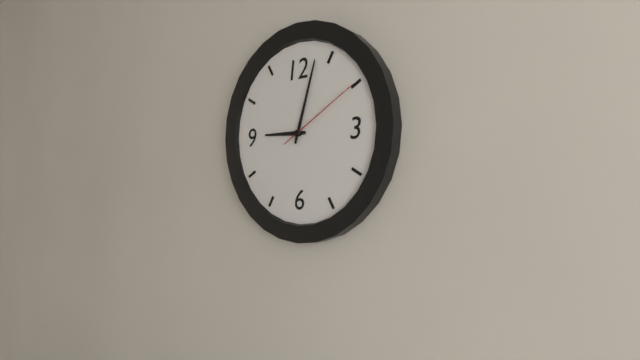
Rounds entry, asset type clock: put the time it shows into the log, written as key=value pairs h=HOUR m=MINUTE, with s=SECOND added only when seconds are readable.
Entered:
h=9 m=3 s=10
